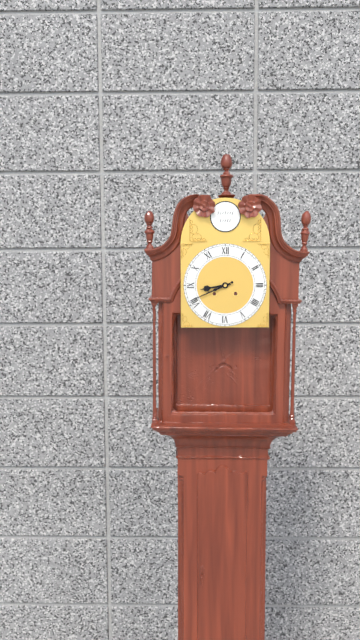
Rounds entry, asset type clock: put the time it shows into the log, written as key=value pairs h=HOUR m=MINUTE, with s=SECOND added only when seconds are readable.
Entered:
h=8 m=41
